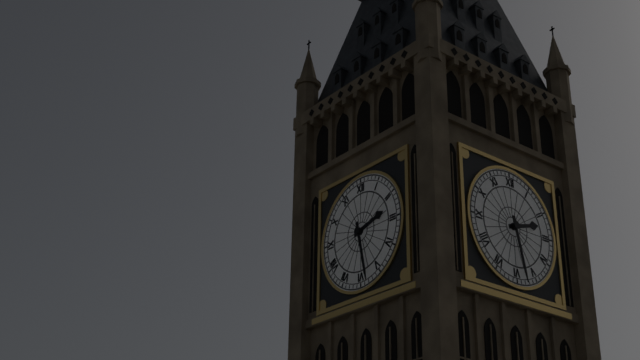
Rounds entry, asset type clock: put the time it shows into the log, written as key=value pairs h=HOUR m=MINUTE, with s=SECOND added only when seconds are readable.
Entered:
h=2 m=28
